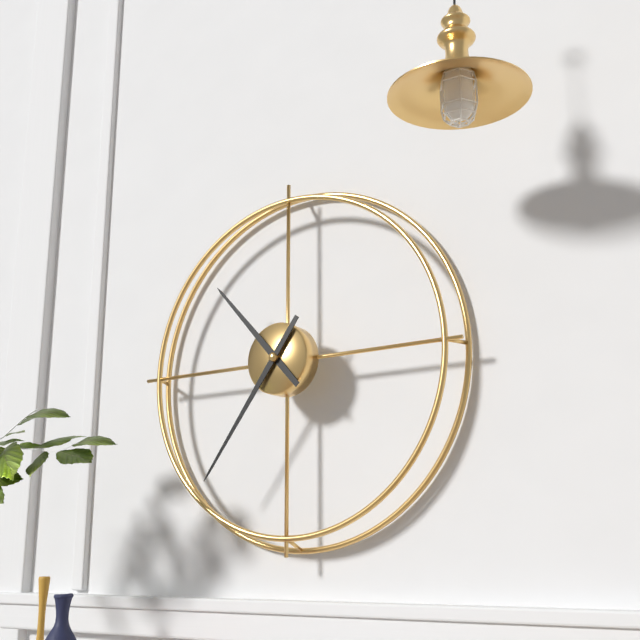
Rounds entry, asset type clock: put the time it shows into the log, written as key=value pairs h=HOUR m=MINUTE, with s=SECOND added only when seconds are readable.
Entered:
h=10 m=36
